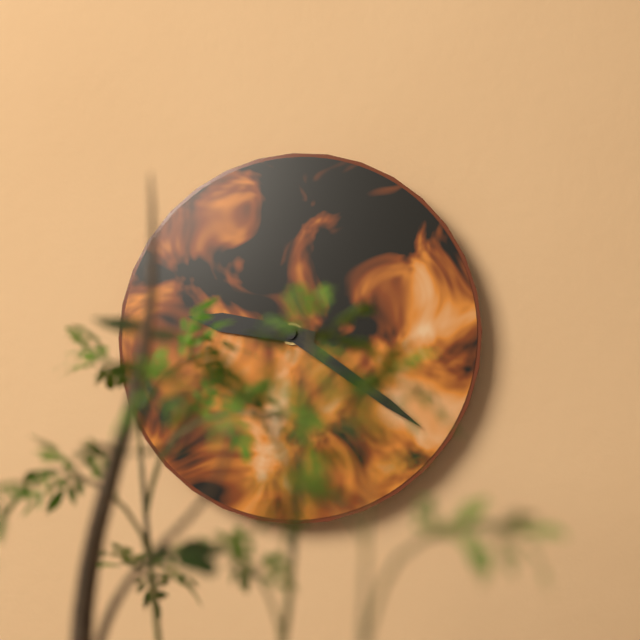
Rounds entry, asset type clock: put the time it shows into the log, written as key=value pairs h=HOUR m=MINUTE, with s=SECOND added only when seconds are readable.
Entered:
h=9 m=21
